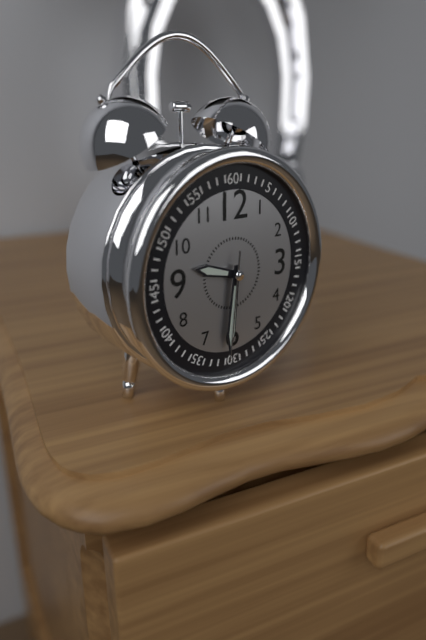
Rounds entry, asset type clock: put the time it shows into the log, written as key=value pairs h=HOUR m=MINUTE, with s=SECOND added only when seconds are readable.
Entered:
h=9 m=31 s=31
